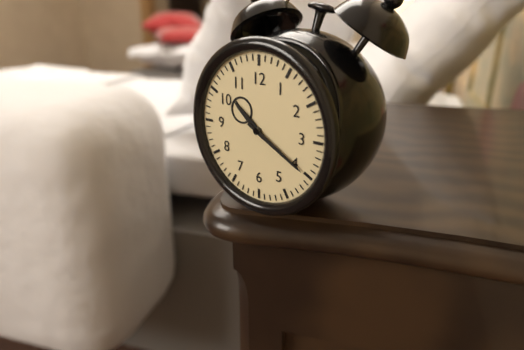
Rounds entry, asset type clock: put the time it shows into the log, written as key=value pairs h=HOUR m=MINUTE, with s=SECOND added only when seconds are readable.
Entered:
h=10 m=20
